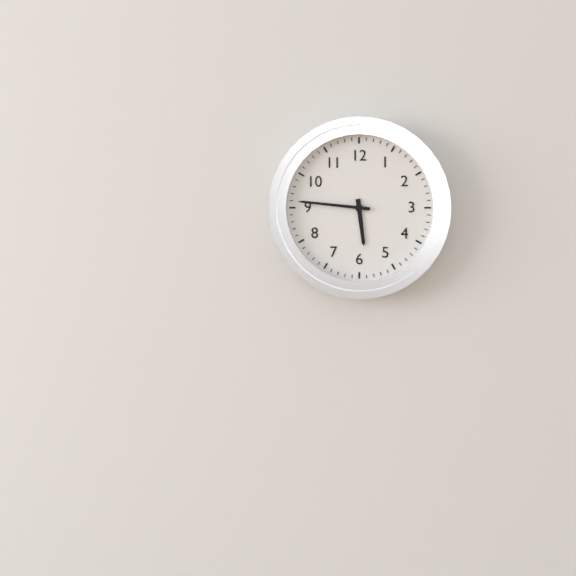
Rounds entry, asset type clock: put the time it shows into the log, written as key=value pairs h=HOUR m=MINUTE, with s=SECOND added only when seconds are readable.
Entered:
h=5 m=46
